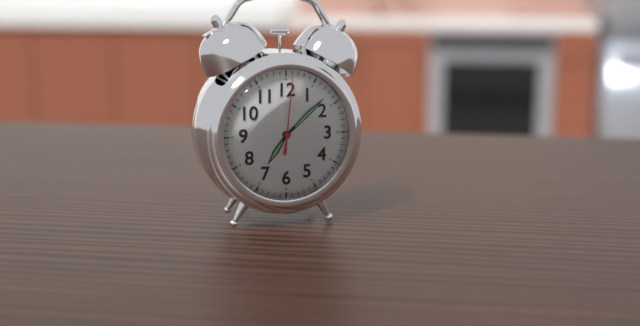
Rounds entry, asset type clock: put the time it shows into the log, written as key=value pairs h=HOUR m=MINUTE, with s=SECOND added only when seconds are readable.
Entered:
h=7 m=8 s=1
